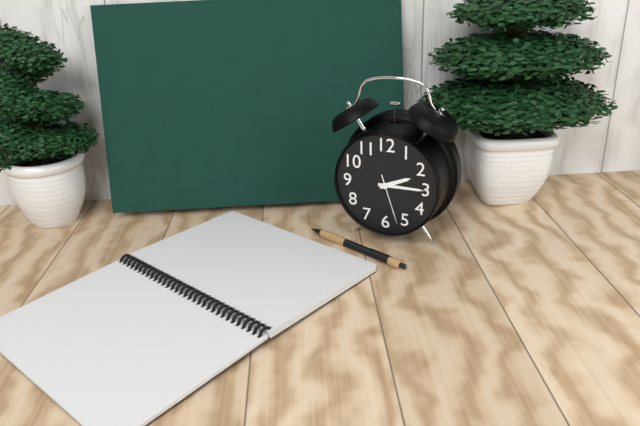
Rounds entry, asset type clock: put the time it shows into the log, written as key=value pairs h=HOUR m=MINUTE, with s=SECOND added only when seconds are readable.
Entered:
h=2 m=15 s=27
